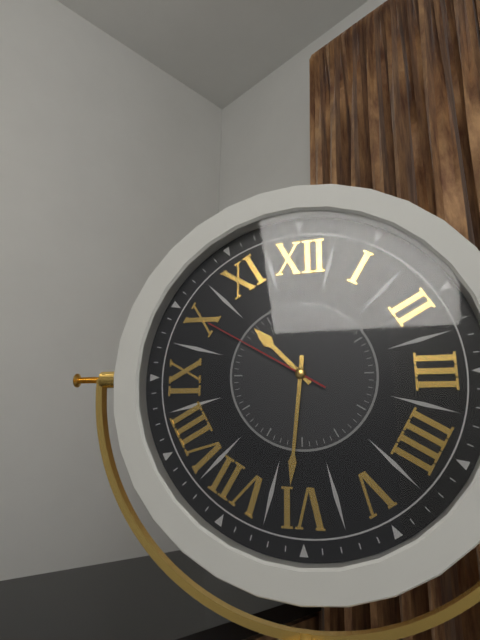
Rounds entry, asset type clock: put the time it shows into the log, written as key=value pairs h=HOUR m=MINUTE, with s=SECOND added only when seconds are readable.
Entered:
h=10 m=31 s=50
